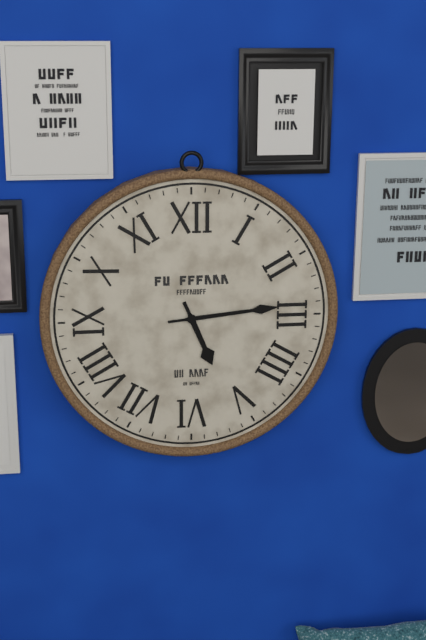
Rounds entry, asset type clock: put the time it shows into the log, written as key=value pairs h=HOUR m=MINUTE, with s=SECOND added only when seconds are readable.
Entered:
h=5 m=14
